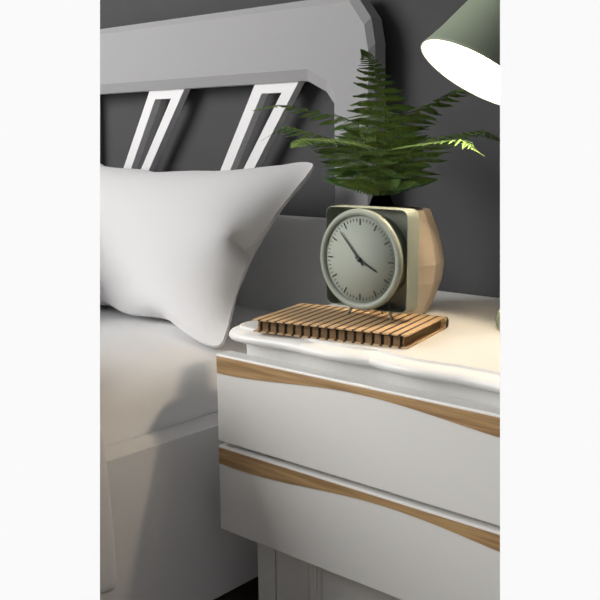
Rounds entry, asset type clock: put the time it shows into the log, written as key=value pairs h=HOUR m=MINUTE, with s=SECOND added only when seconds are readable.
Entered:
h=3 m=53
